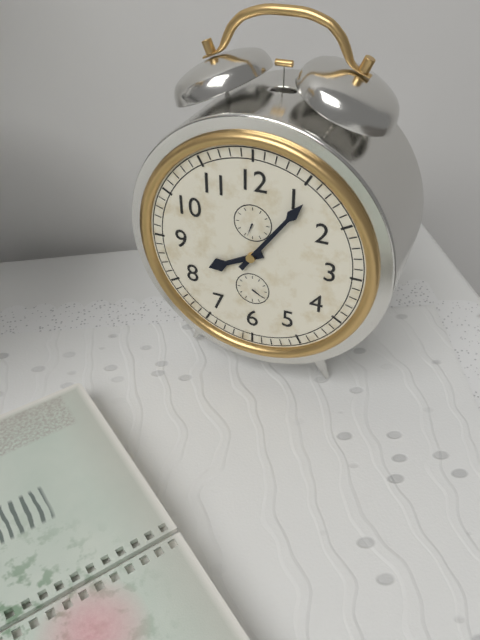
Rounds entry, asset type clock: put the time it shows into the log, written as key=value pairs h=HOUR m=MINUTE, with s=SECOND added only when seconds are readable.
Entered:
h=8 m=6
